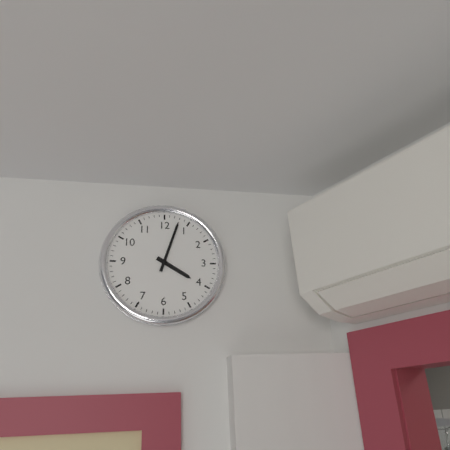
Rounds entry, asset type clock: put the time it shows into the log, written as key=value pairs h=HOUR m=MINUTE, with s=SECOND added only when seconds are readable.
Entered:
h=4 m=3
